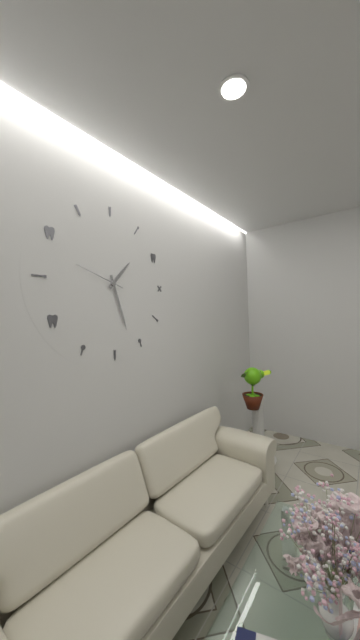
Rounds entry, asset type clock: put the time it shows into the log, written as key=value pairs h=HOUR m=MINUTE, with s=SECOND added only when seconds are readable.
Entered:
h=1 m=27 s=48
